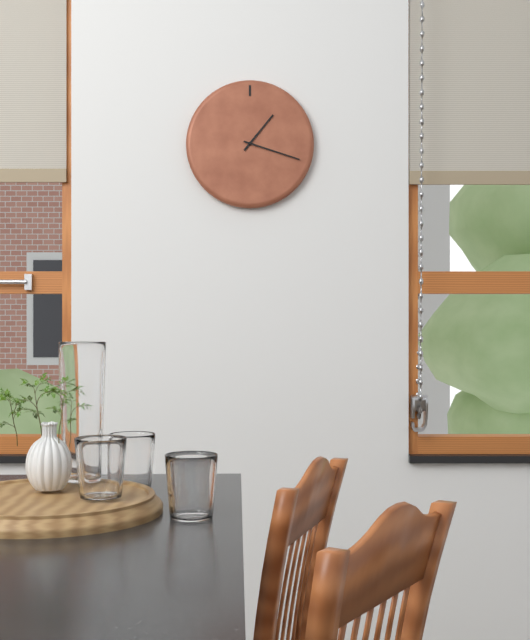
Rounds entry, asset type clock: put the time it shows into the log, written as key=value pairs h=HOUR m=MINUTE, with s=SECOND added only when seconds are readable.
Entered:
h=1 m=18
